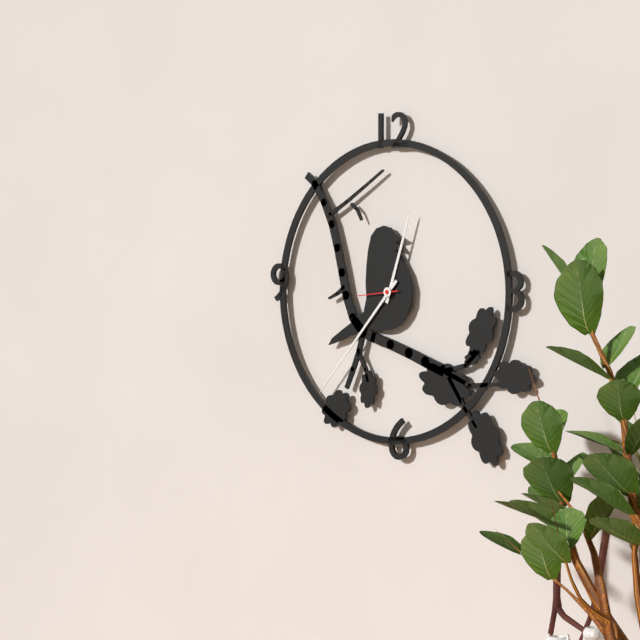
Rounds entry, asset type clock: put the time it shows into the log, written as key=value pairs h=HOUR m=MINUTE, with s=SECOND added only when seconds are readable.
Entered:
h=12 m=37 s=44
